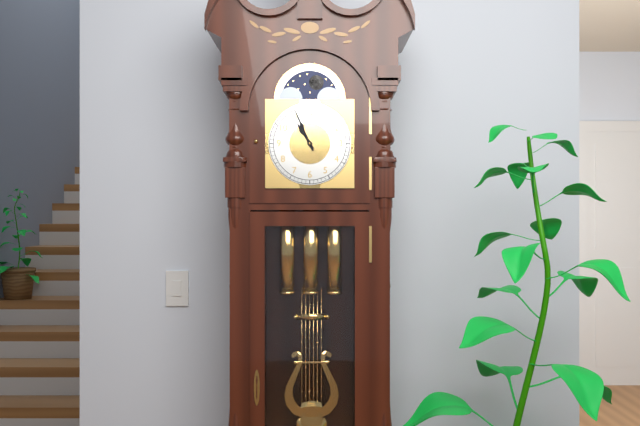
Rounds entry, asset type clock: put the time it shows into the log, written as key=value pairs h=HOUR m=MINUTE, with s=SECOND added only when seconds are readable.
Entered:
h=10 m=56
